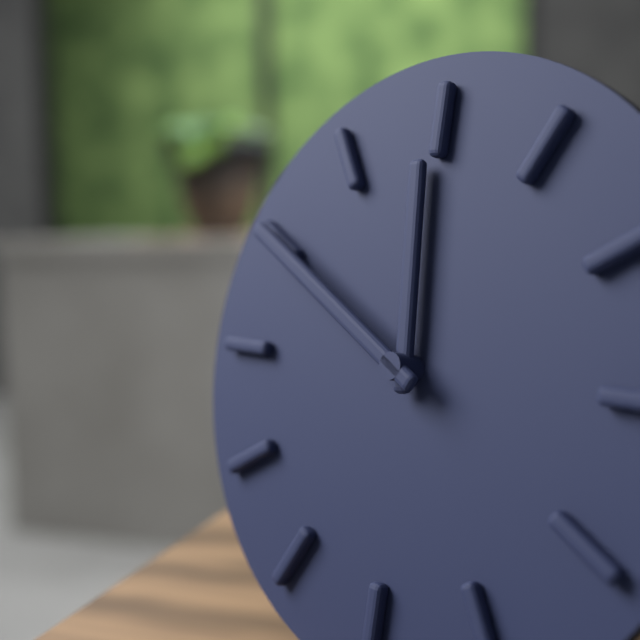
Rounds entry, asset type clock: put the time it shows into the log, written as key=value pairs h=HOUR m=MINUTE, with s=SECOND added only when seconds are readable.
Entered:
h=11 m=50
